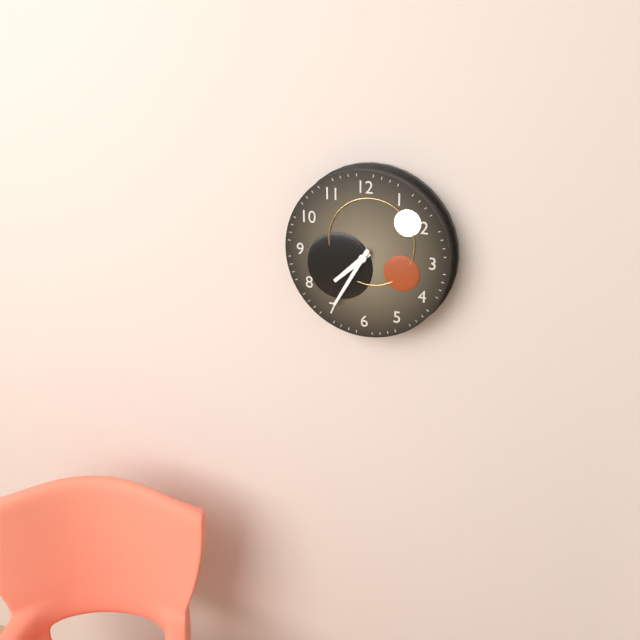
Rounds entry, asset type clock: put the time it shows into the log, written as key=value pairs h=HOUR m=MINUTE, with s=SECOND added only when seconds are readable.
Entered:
h=7 m=35
